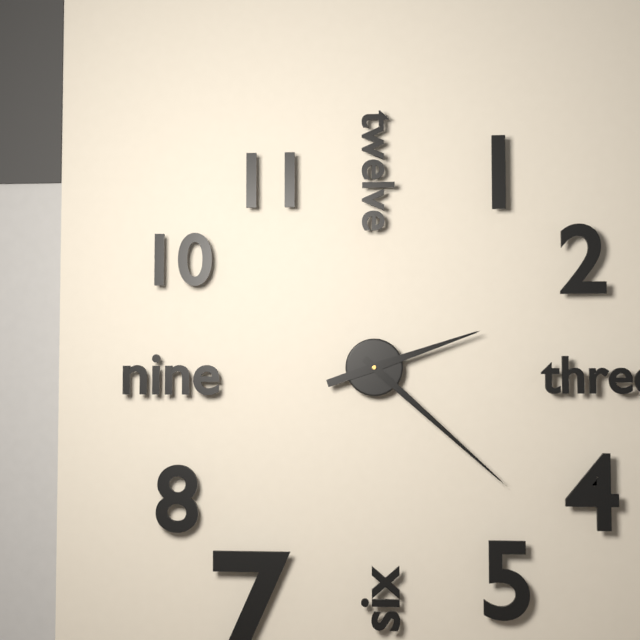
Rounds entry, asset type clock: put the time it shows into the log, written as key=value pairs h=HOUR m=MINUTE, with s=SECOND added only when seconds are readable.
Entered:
h=2 m=22
